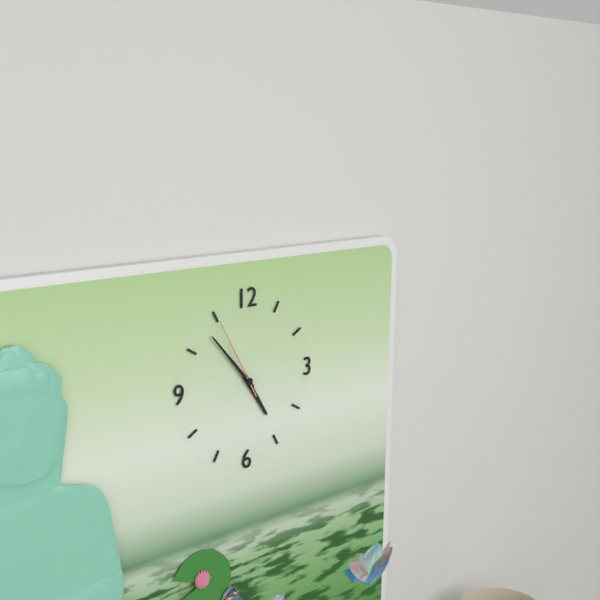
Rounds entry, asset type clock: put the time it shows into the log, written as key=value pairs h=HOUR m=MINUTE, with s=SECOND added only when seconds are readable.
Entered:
h=4 m=53 s=55
